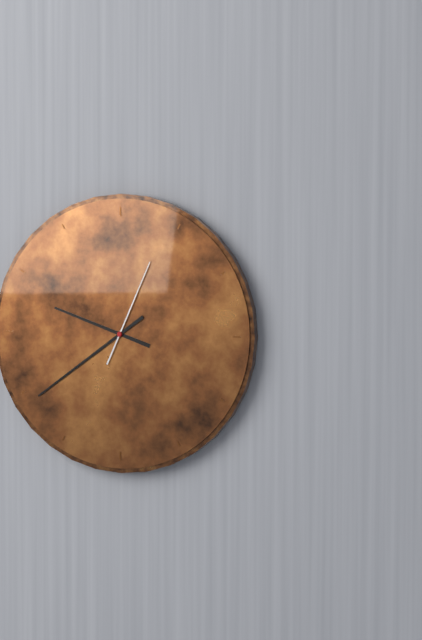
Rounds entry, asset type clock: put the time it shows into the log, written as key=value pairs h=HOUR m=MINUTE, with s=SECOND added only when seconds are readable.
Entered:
h=9 m=39 s=4
